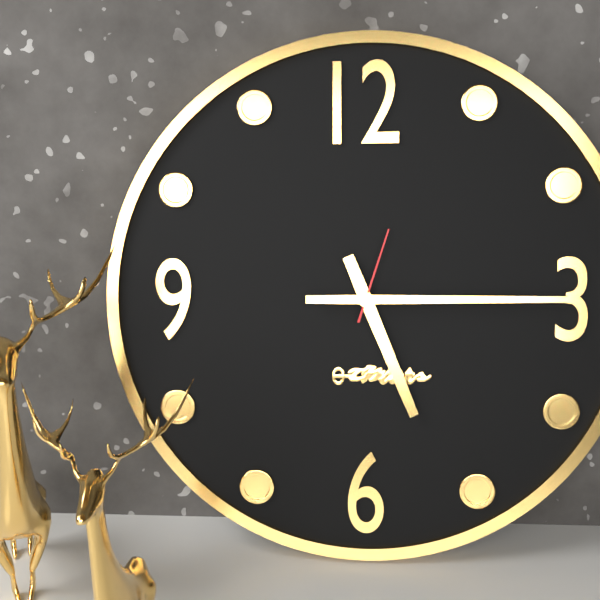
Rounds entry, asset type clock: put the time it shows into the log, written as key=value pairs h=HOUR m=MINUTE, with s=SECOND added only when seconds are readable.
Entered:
h=5 m=15 s=3
